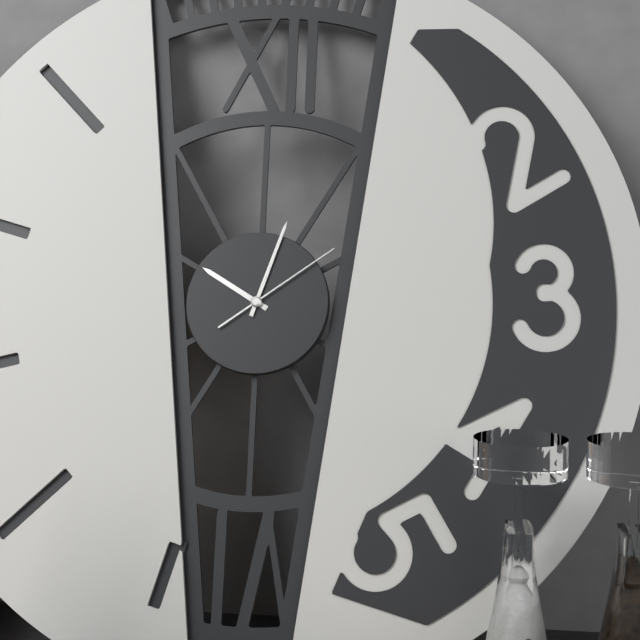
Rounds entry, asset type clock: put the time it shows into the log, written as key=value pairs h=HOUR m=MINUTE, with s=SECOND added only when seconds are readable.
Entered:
h=10 m=3 s=9
